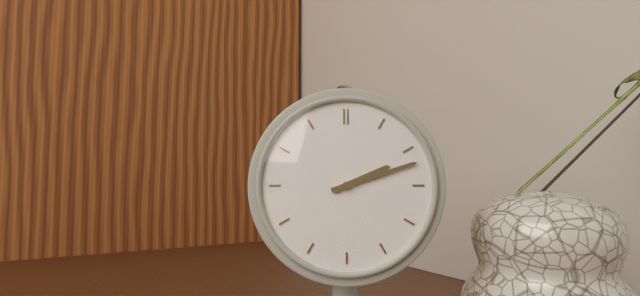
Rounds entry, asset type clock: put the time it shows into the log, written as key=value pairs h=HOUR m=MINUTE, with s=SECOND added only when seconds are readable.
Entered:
h=2 m=12
